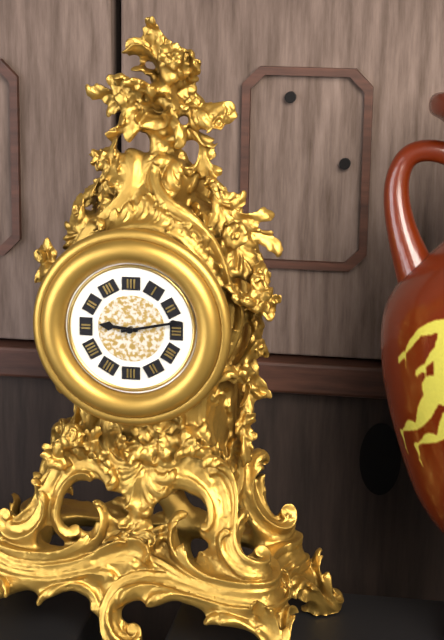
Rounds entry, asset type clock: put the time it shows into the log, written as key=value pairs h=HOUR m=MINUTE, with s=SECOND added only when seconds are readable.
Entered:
h=9 m=13
